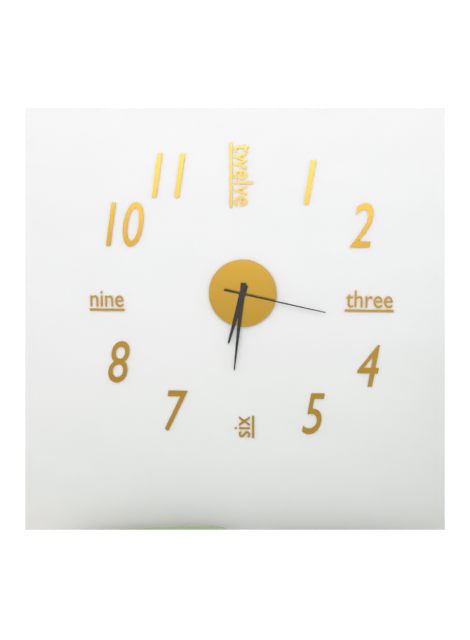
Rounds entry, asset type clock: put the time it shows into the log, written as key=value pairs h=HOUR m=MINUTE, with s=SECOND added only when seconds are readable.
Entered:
h=6 m=31 s=17
